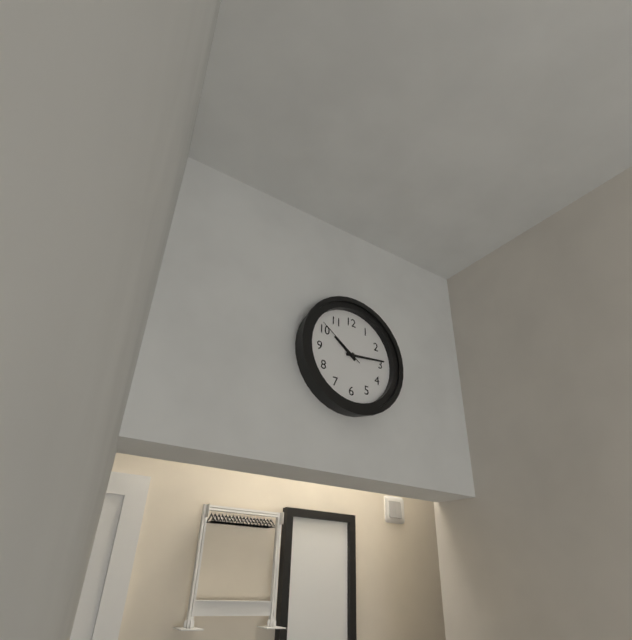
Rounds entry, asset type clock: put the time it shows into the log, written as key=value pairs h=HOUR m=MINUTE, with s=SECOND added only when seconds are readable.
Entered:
h=10 m=14 s=51
